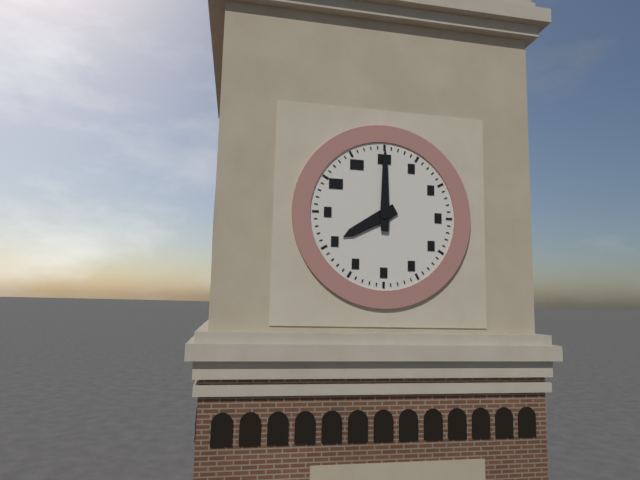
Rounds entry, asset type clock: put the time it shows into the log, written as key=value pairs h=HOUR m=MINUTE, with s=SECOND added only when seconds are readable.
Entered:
h=8 m=0
